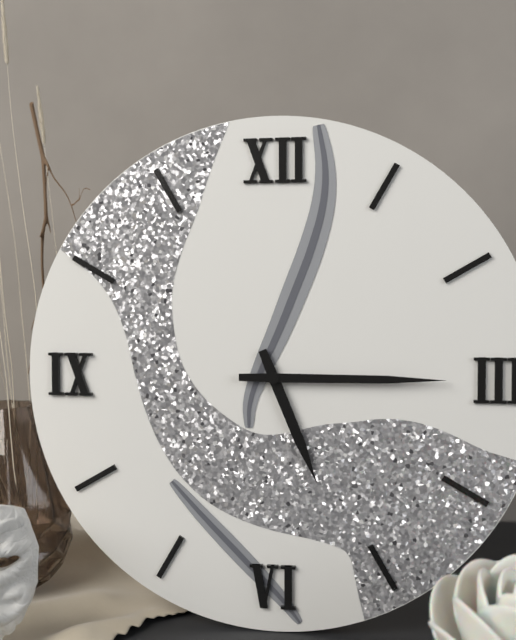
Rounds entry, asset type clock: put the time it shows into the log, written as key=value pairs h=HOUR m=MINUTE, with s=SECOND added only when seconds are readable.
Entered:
h=5 m=15
